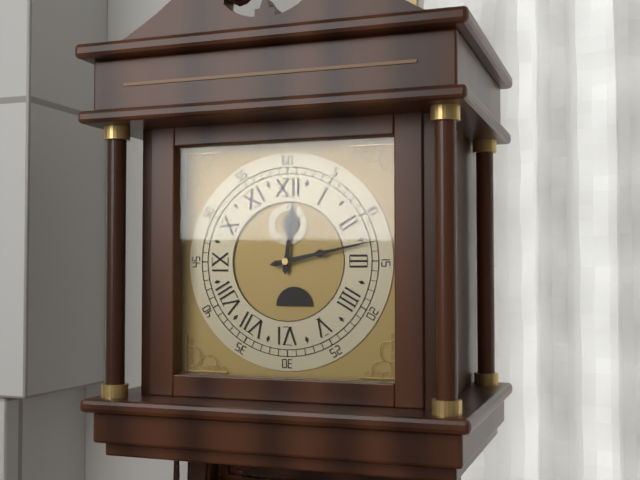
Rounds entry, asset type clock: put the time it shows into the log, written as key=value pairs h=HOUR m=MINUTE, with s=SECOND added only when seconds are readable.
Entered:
h=12 m=13
